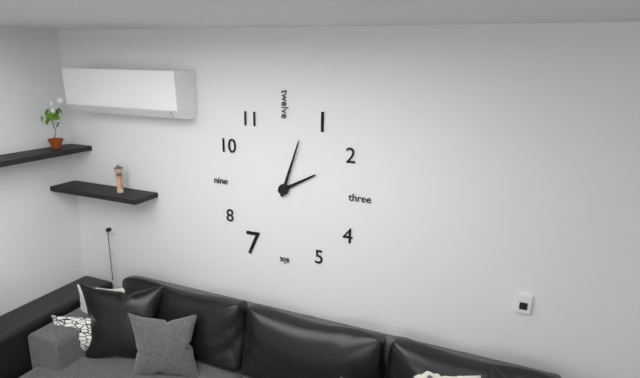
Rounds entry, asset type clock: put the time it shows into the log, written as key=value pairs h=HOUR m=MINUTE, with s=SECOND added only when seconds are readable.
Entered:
h=2 m=3
